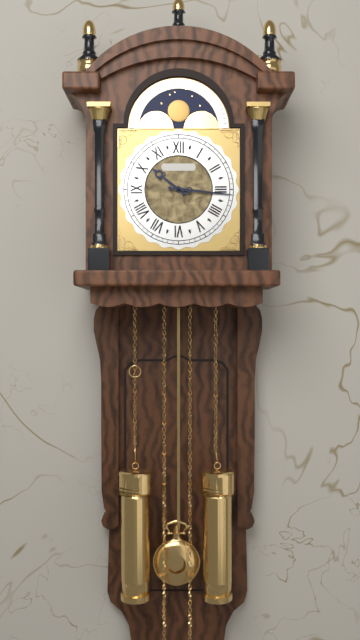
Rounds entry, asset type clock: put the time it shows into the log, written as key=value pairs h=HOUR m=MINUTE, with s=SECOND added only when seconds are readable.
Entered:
h=10 m=16
